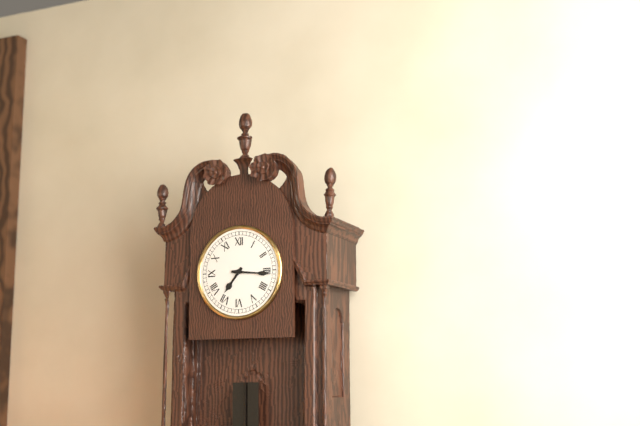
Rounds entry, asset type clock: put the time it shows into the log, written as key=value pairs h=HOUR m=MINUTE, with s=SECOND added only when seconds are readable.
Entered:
h=7 m=16
